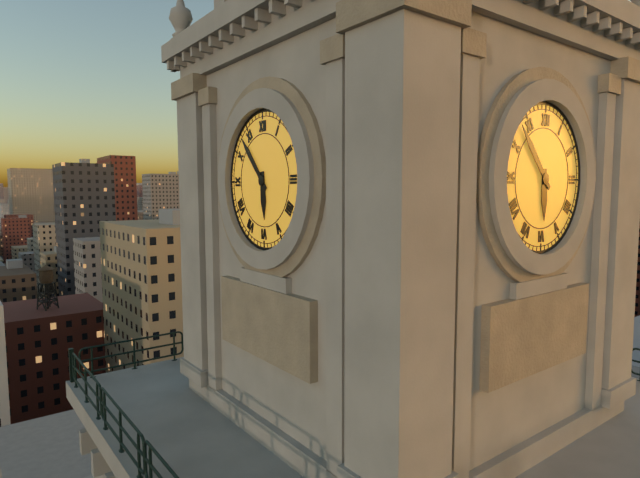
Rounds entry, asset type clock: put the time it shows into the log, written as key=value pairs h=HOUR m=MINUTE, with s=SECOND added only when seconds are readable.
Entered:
h=5 m=53
